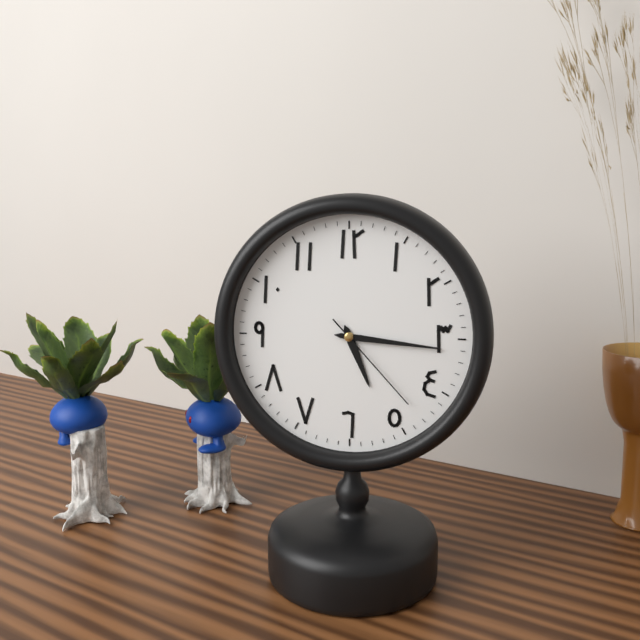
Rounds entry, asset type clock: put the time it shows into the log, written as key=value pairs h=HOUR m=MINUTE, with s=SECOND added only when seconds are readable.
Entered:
h=5 m=16 s=23
